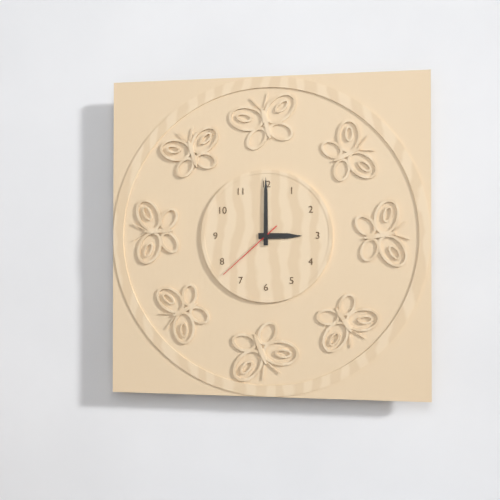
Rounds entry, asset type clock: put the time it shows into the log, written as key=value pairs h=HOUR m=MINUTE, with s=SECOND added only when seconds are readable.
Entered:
h=3 m=0 s=38
